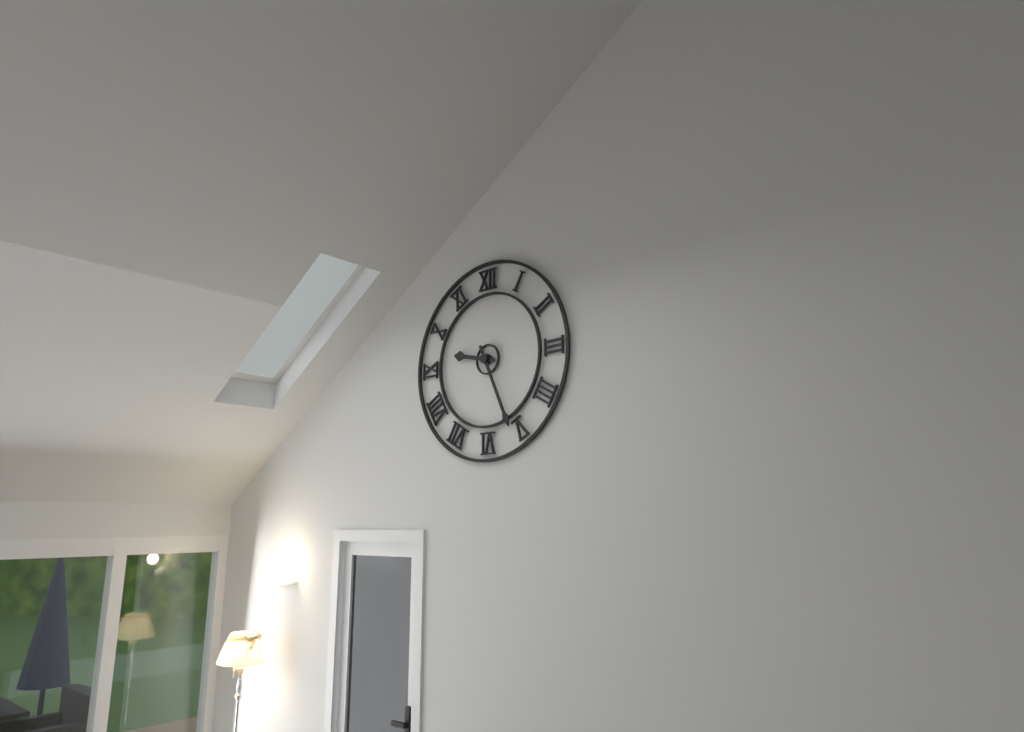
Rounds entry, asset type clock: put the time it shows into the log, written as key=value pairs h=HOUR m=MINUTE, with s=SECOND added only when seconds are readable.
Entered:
h=9 m=26
